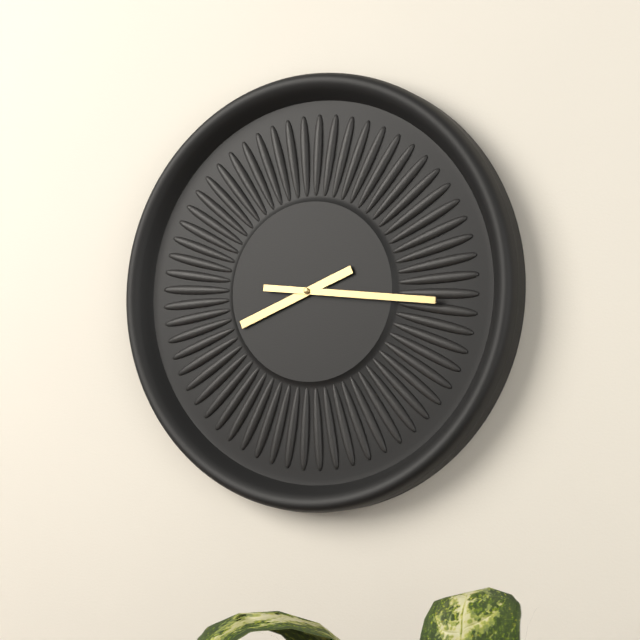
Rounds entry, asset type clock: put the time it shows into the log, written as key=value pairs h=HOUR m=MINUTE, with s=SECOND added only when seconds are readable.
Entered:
h=8 m=16
